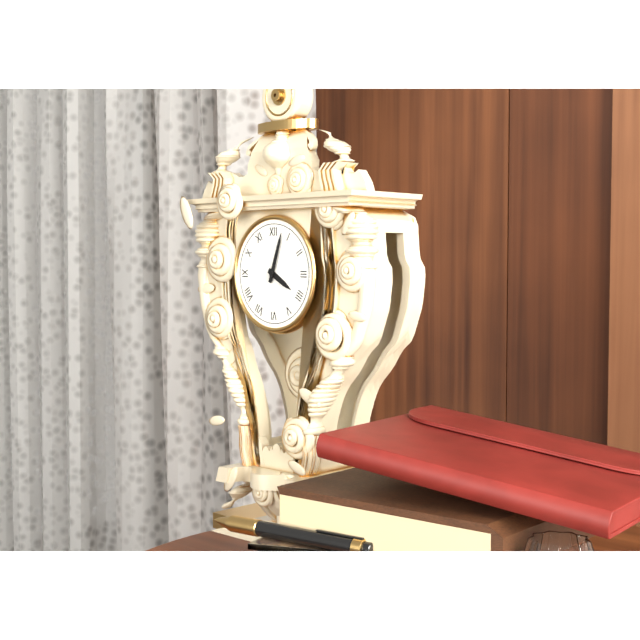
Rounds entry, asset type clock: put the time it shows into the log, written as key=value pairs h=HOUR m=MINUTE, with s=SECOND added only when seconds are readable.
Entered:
h=4 m=3
